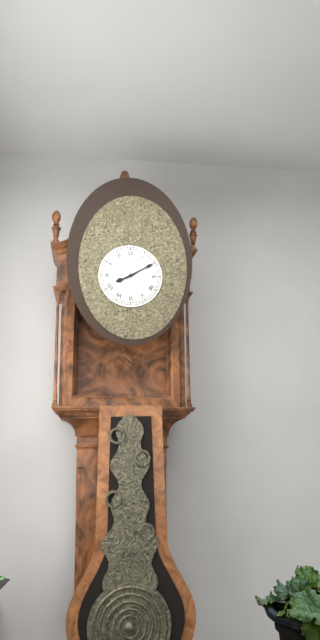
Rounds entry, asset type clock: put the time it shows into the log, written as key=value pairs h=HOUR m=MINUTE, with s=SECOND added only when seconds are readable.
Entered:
h=8 m=10
